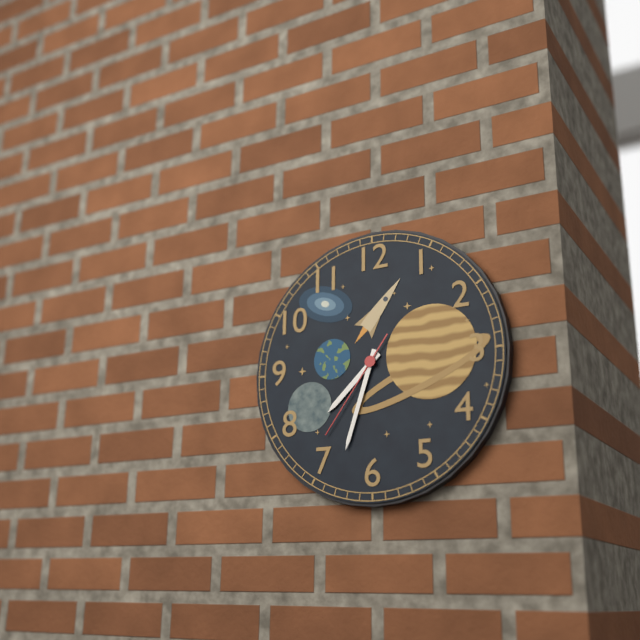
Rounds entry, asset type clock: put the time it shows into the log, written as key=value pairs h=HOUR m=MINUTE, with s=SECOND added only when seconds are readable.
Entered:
h=7 m=33 s=36
